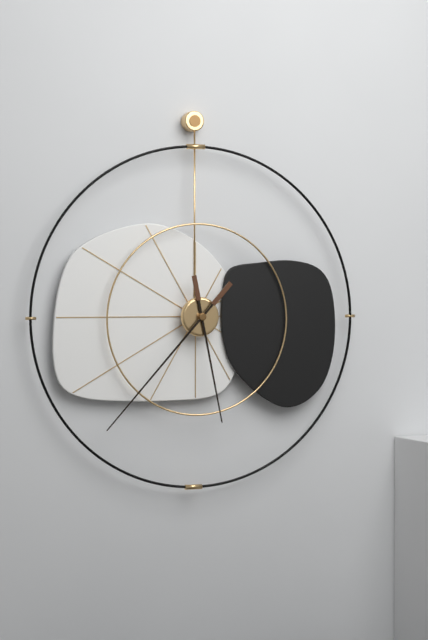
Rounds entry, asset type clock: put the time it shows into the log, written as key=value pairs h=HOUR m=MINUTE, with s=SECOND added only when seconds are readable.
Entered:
h=5 m=37
